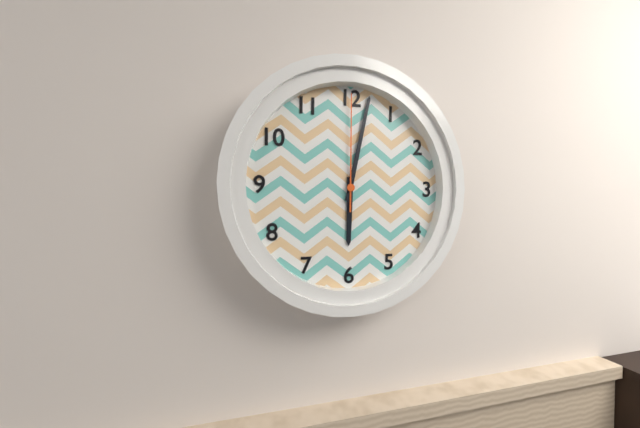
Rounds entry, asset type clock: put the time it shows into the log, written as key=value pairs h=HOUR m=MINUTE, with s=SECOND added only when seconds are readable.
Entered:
h=6 m=2 s=0
